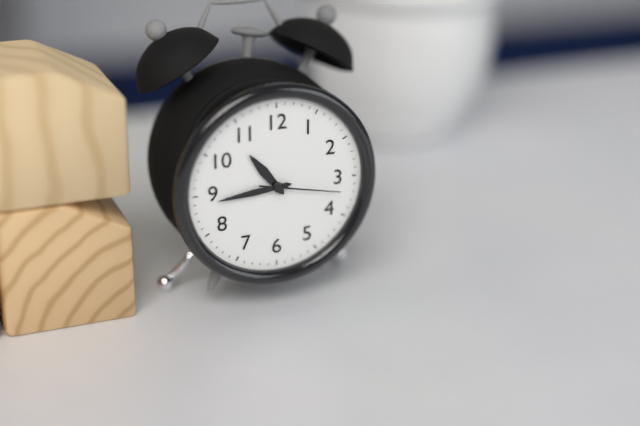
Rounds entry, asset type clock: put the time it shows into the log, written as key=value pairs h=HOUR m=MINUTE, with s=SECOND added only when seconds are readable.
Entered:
h=10 m=44 s=17
